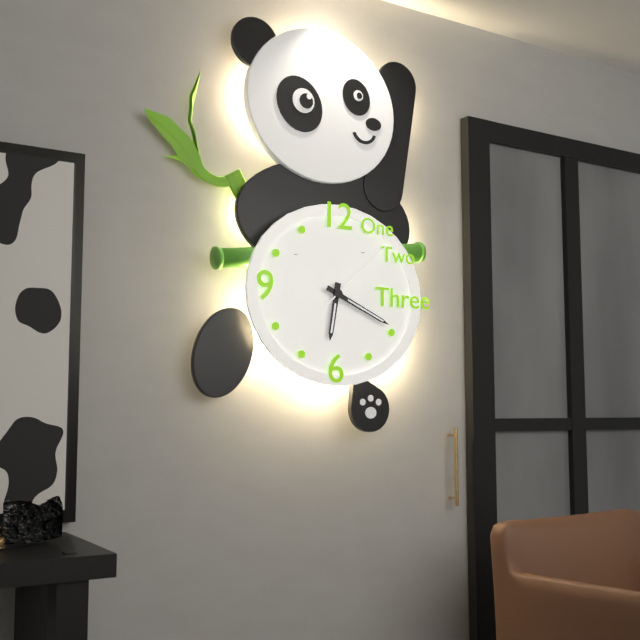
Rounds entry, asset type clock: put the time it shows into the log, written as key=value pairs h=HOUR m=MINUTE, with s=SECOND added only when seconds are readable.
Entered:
h=6 m=19 s=8
